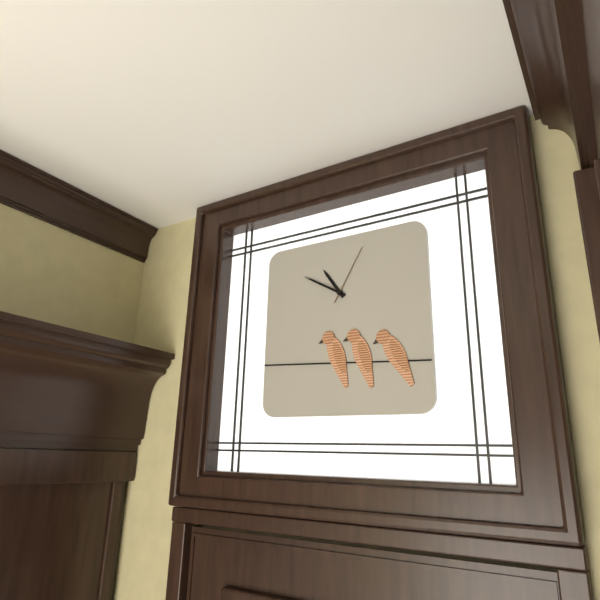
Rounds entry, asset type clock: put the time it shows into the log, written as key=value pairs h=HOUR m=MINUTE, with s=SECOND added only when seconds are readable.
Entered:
h=10 m=50 s=5
